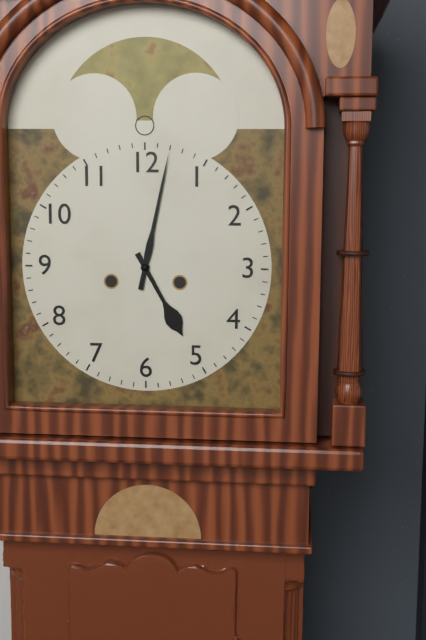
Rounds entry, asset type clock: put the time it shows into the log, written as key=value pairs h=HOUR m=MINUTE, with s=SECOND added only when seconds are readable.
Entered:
h=5 m=2
